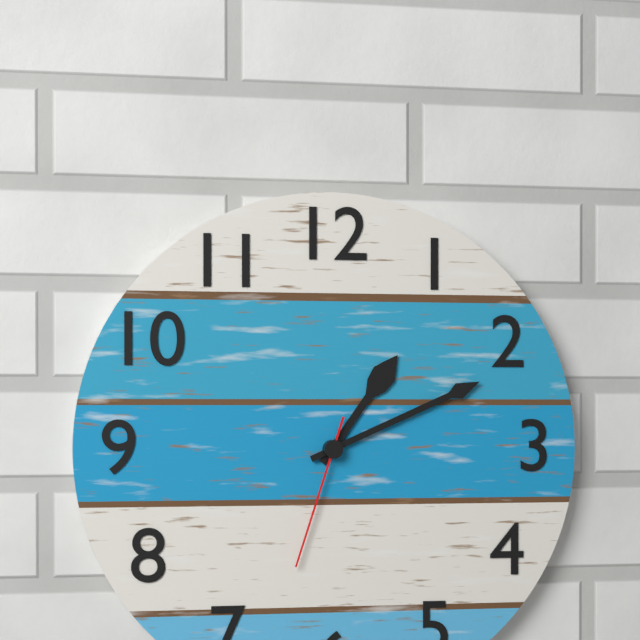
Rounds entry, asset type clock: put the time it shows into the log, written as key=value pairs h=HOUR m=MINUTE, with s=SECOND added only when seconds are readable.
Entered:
h=1 m=11 s=33
